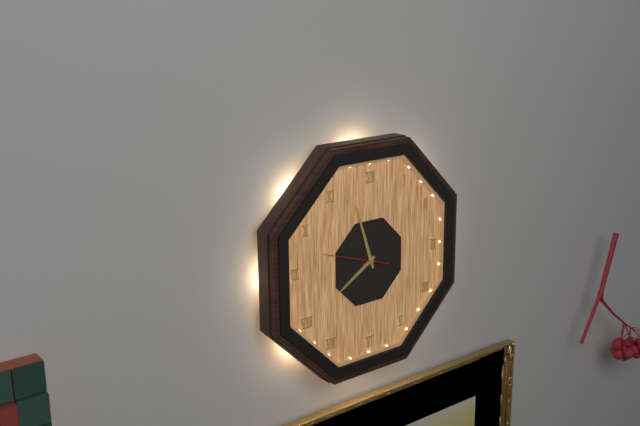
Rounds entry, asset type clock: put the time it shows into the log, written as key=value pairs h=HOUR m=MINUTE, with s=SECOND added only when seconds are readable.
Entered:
h=7 m=57
